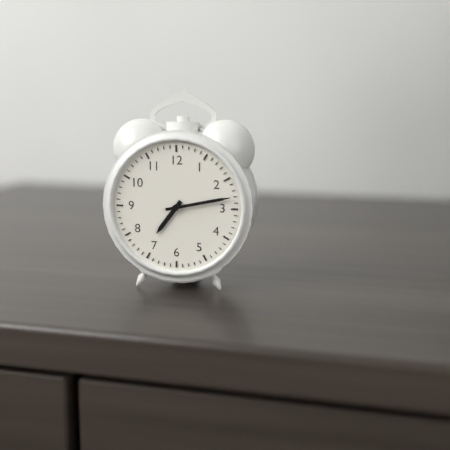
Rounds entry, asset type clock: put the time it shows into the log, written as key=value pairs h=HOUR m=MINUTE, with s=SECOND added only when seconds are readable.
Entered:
h=7 m=13
